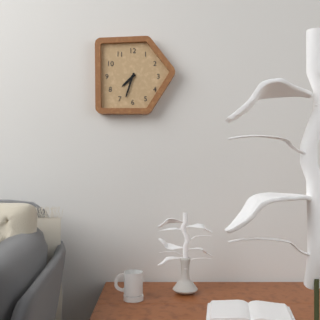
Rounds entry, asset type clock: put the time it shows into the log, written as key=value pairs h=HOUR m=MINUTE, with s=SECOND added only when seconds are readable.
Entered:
h=7 m=33
